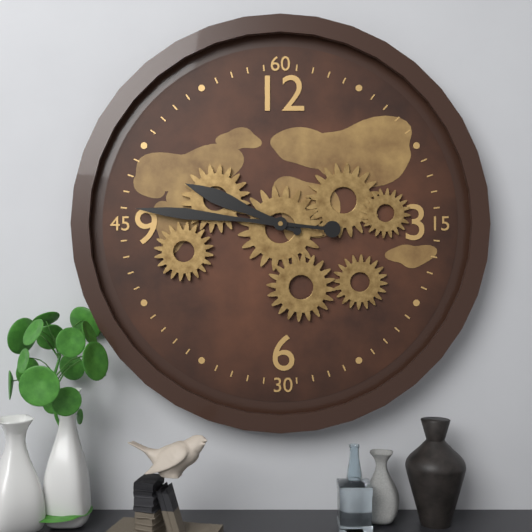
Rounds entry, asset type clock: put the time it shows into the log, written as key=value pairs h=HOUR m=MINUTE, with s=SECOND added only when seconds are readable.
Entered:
h=9 m=46
